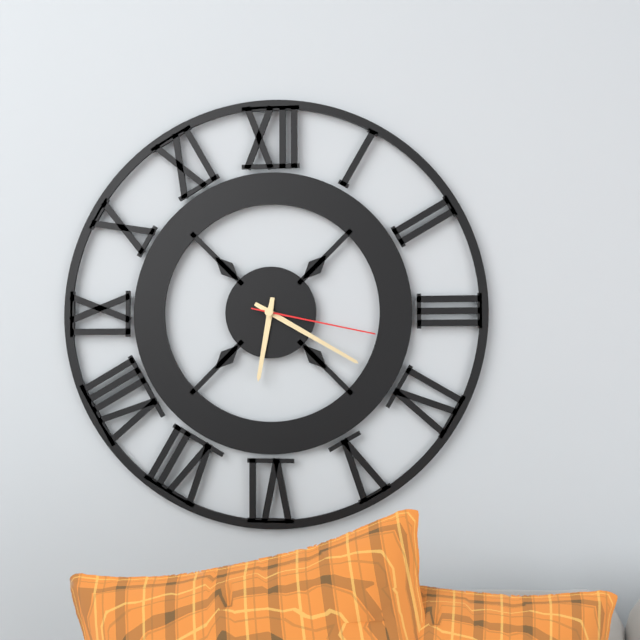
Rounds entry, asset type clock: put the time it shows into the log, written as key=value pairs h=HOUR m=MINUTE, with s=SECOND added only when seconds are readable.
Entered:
h=6 m=20 s=17
